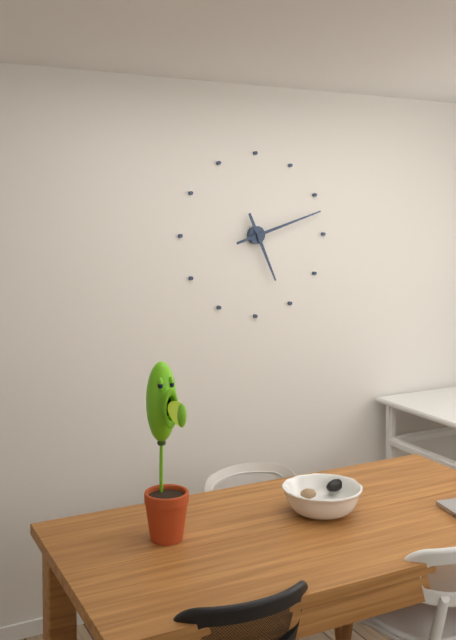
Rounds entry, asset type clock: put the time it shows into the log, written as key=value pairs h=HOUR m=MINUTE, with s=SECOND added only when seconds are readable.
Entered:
h=5 m=12
